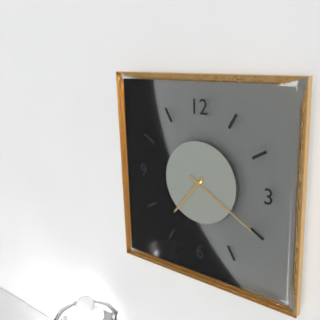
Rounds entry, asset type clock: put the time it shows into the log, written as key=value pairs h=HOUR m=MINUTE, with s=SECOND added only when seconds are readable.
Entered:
h=7 m=20
